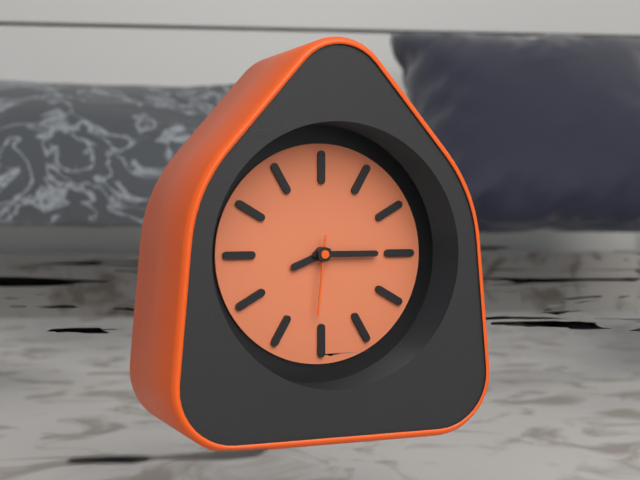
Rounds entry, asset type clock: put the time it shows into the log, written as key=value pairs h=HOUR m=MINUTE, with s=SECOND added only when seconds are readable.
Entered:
h=8 m=15 s=31
